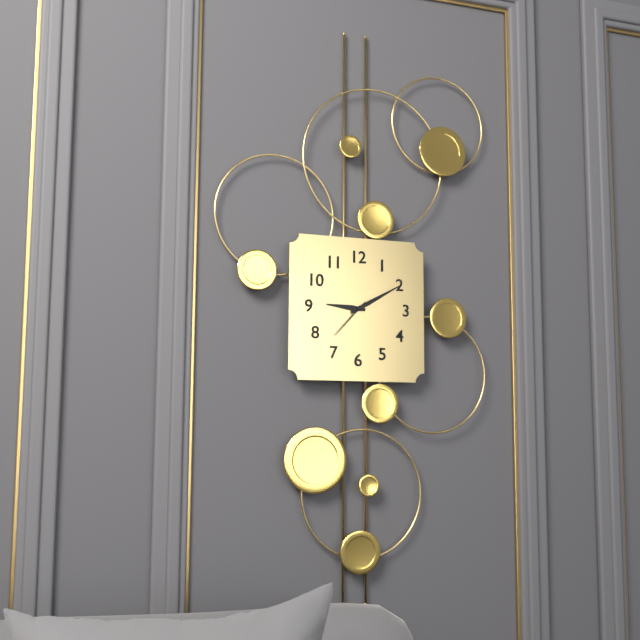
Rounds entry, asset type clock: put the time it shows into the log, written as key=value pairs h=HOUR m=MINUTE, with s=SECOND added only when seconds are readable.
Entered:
h=9 m=10
